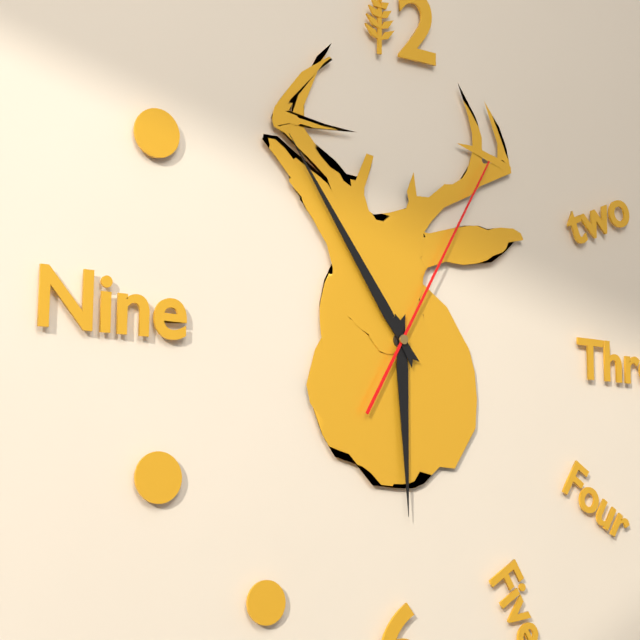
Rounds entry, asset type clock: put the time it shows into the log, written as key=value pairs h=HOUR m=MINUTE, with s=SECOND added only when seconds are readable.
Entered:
h=5 m=54 s=5
